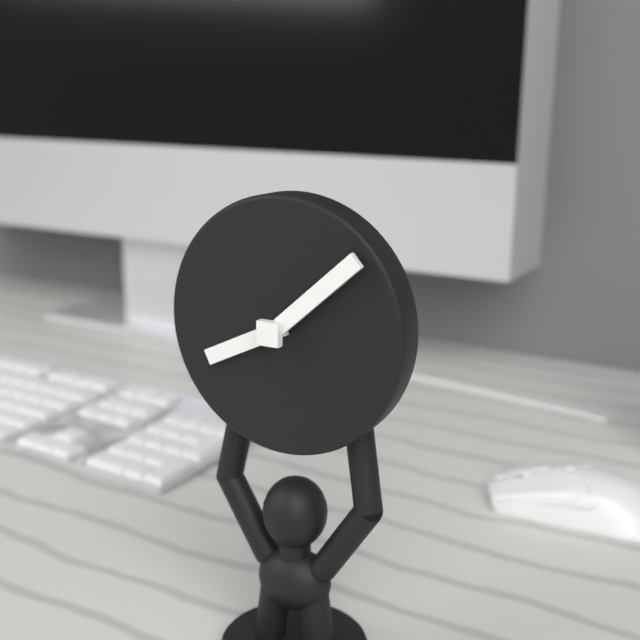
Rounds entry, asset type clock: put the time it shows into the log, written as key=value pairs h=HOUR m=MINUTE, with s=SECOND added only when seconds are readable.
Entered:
h=8 m=8
